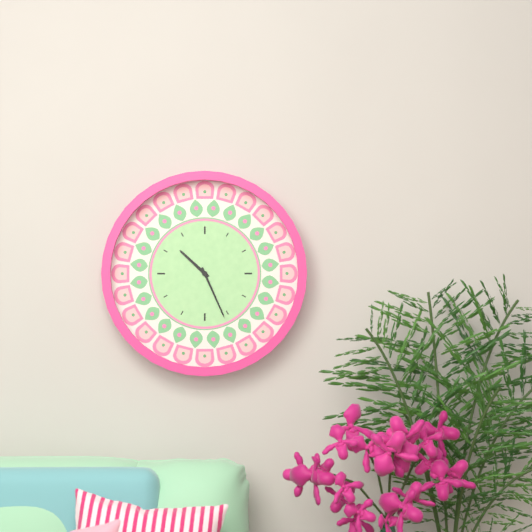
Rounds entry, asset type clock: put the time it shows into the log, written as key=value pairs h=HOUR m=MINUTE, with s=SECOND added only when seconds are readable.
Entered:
h=10 m=26
